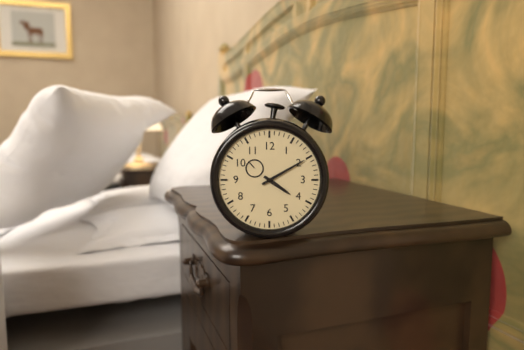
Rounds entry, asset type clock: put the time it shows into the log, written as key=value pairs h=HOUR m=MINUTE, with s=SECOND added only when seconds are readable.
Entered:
h=4 m=10
